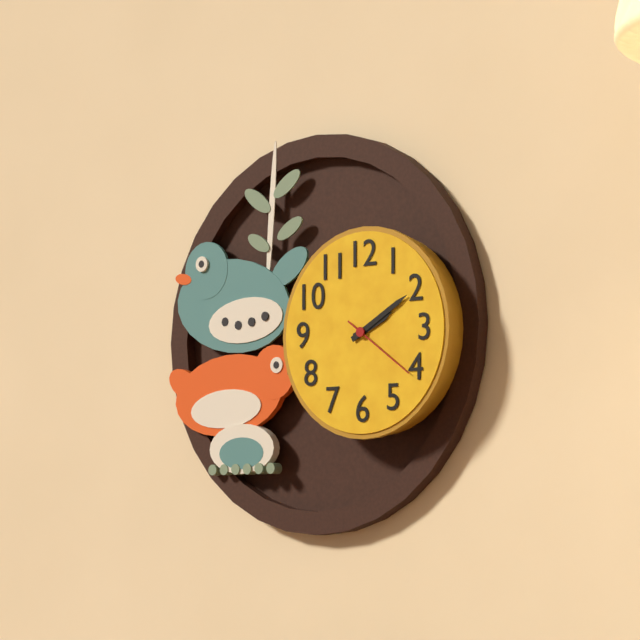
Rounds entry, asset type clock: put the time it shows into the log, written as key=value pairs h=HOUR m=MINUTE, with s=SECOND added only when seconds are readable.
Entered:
h=2 m=10 s=21
